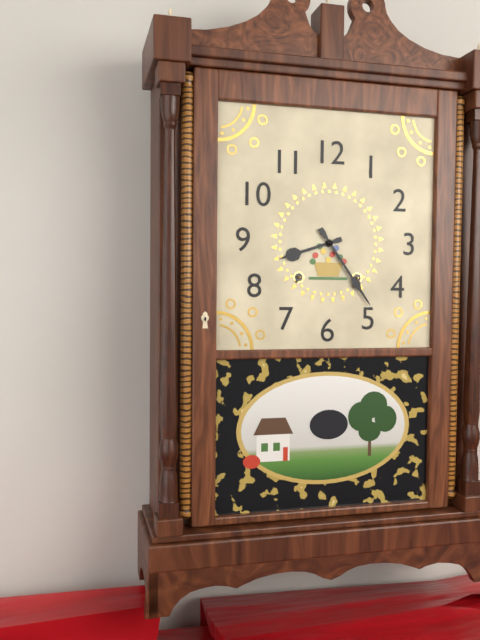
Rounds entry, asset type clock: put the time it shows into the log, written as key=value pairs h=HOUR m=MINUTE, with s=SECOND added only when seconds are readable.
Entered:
h=8 m=24
